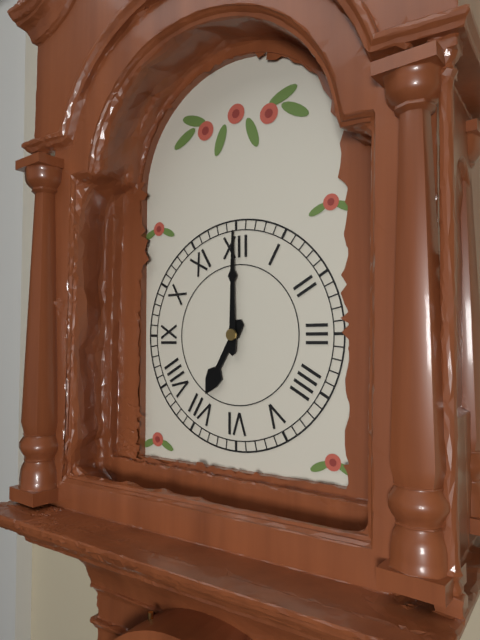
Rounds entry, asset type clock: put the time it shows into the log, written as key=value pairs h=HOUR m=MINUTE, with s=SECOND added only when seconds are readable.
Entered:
h=7 m=0
